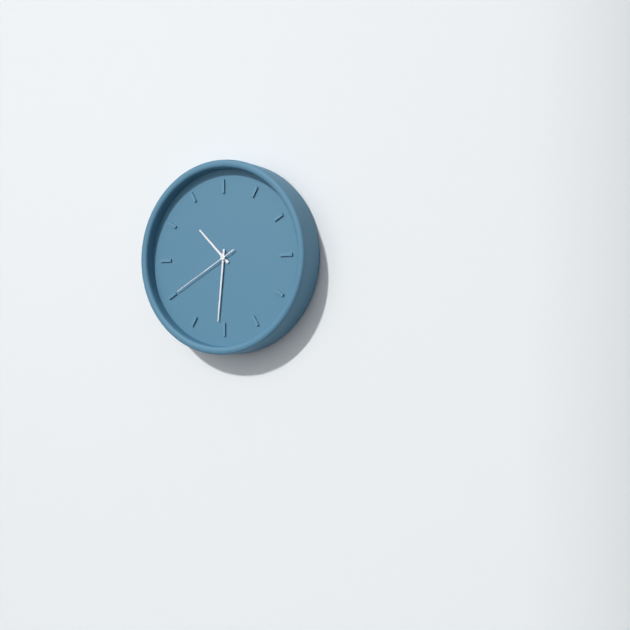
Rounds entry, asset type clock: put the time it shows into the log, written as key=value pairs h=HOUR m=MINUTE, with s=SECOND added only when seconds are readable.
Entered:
h=10 m=31 s=40
